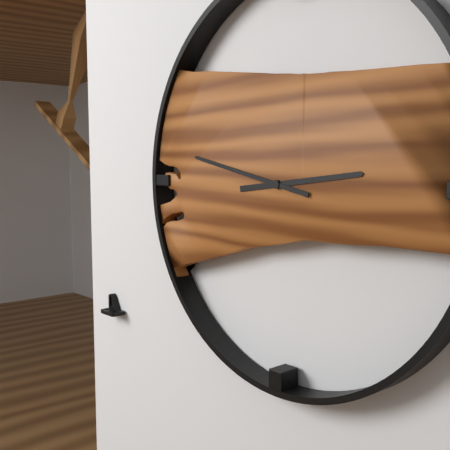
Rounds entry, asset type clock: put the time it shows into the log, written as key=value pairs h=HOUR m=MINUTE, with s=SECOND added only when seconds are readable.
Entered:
h=2 m=47
